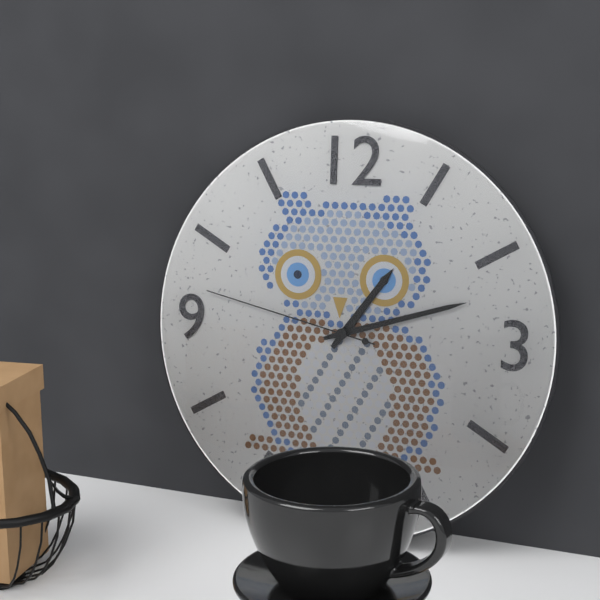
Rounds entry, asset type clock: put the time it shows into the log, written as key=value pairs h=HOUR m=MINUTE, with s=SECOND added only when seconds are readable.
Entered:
h=1 m=12 s=47
